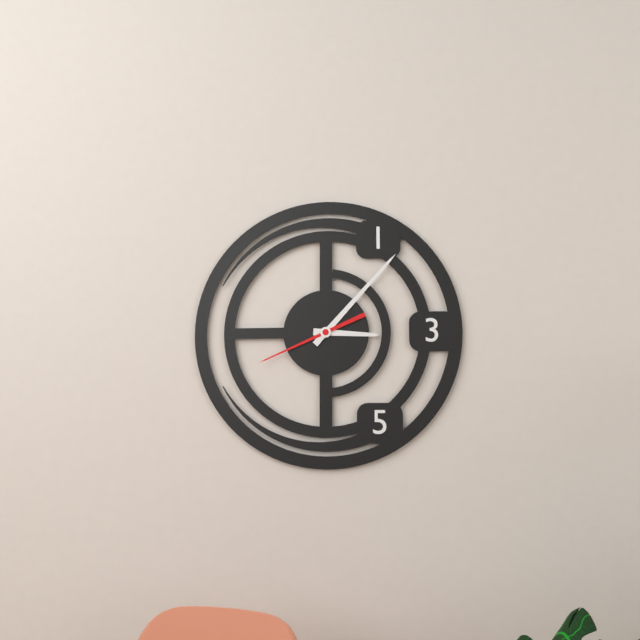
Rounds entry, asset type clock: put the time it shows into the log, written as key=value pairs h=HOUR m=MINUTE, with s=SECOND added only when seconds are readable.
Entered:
h=3 m=7 s=41
